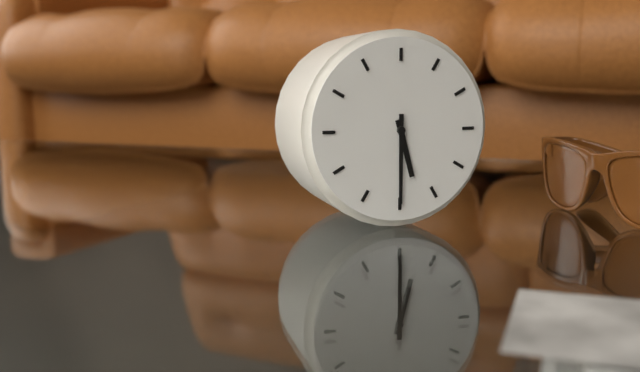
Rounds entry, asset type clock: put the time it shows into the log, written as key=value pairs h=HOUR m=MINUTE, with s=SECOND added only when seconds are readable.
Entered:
h=5 m=30
